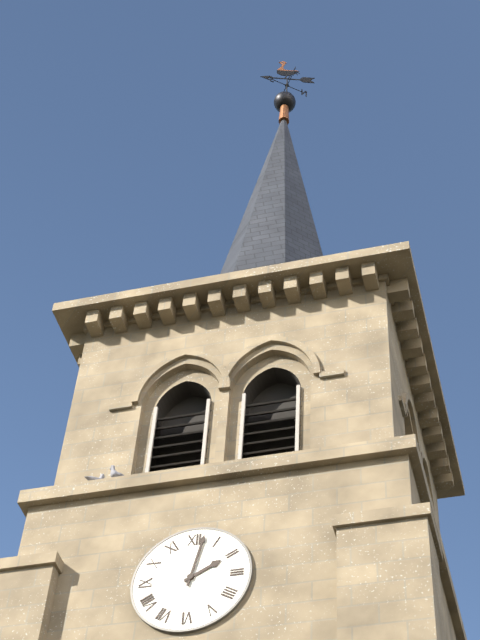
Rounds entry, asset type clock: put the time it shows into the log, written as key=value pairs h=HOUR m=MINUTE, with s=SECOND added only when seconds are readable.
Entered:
h=2 m=2
